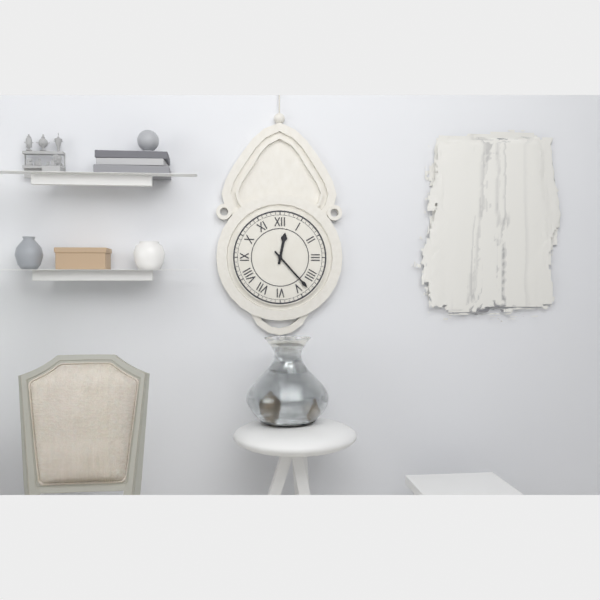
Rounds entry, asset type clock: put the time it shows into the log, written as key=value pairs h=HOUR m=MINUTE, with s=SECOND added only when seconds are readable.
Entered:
h=12 m=23
